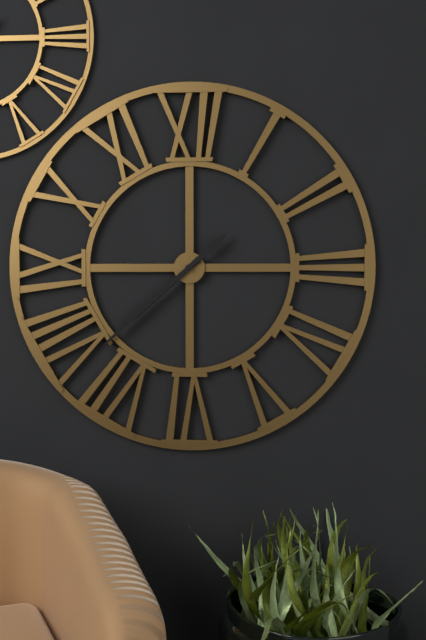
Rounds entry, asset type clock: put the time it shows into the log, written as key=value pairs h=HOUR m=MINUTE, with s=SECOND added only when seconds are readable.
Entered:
h=7 m=38
